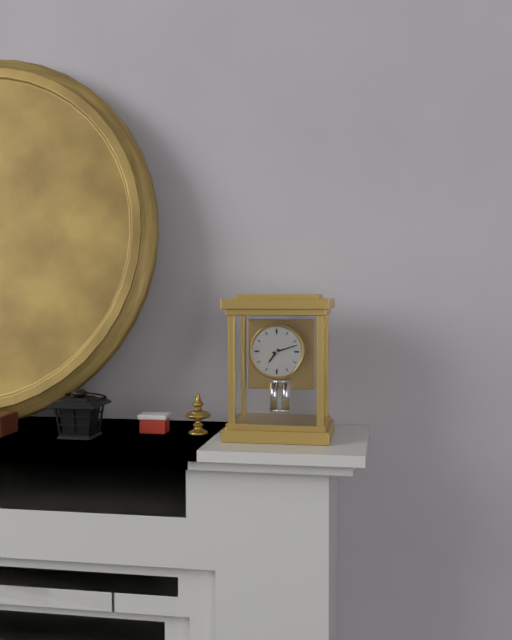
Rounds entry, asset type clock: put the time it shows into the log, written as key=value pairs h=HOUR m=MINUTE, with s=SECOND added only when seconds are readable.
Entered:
h=7 m=12
